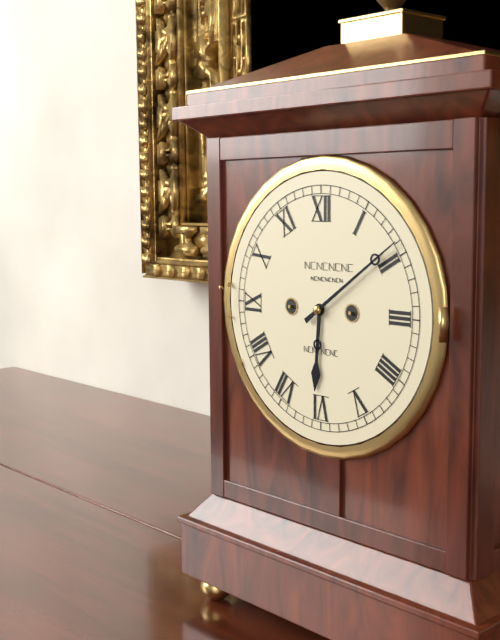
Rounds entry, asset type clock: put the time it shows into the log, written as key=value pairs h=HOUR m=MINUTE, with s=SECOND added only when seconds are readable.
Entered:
h=6 m=9
